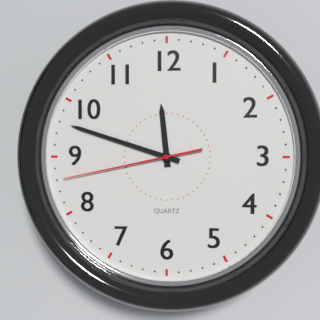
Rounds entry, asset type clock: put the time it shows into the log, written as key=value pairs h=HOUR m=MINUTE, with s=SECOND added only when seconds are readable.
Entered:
h=11 m=48 s=43
